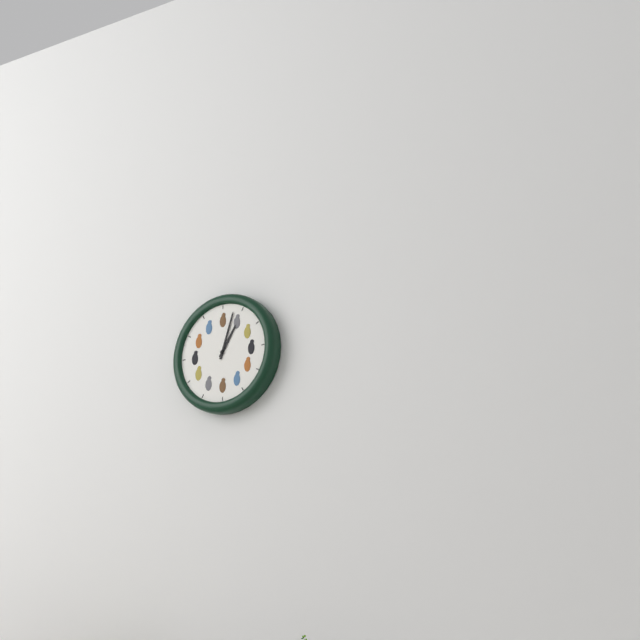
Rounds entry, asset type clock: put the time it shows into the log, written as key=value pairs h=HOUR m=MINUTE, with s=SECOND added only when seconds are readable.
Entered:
h=1 m=3
